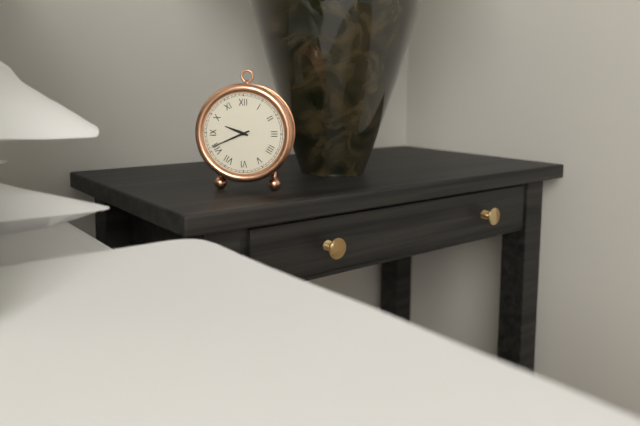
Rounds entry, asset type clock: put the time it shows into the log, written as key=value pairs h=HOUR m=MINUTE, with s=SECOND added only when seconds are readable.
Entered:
h=9 m=41
